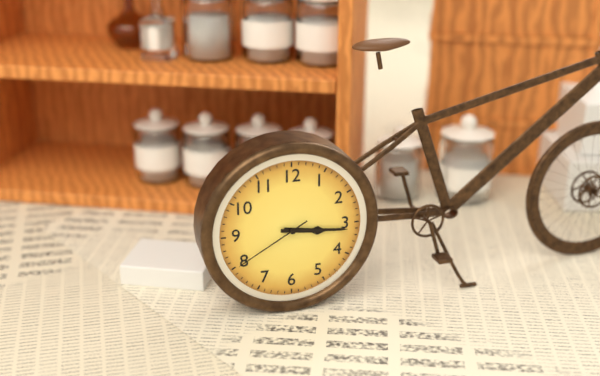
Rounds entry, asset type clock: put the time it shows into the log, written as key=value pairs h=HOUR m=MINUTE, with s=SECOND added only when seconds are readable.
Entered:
h=3 m=16 s=40
